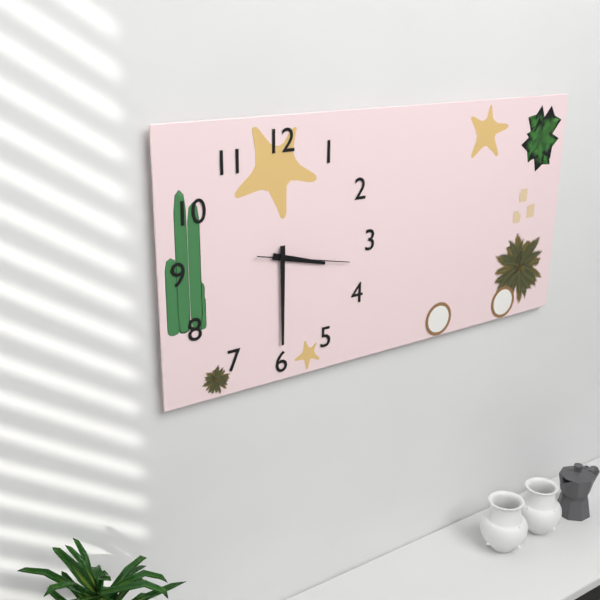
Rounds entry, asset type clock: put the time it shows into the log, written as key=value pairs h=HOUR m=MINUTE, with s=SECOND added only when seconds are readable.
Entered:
h=3 m=30 s=17
